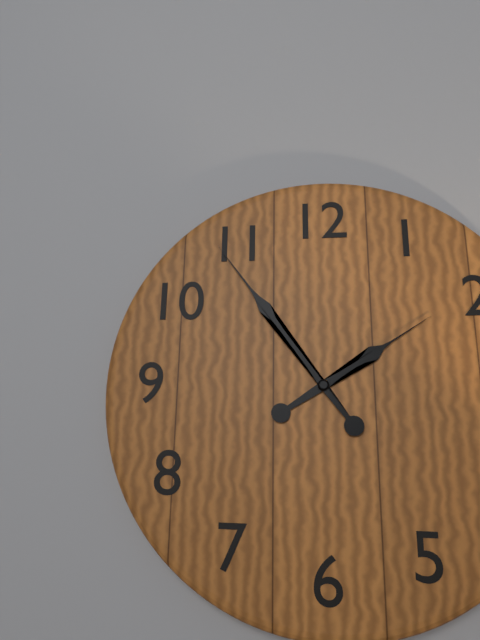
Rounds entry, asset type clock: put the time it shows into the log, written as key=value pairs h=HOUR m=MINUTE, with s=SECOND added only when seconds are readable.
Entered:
h=1 m=54
